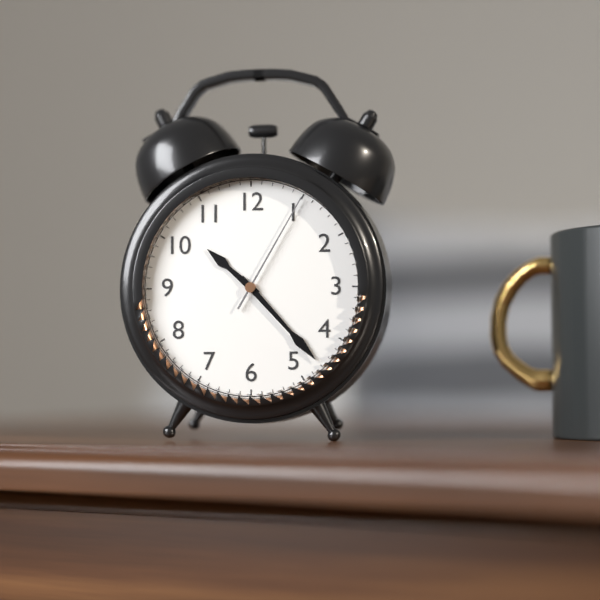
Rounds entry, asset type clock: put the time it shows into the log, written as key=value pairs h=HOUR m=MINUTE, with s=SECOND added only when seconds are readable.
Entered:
h=10 m=23 s=5
